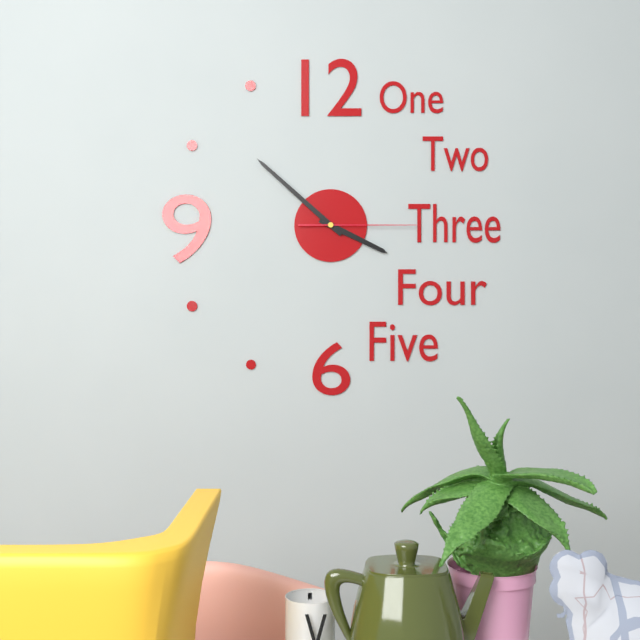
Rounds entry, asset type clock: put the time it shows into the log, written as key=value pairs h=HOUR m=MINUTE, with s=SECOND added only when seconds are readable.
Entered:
h=3 m=52 s=15
